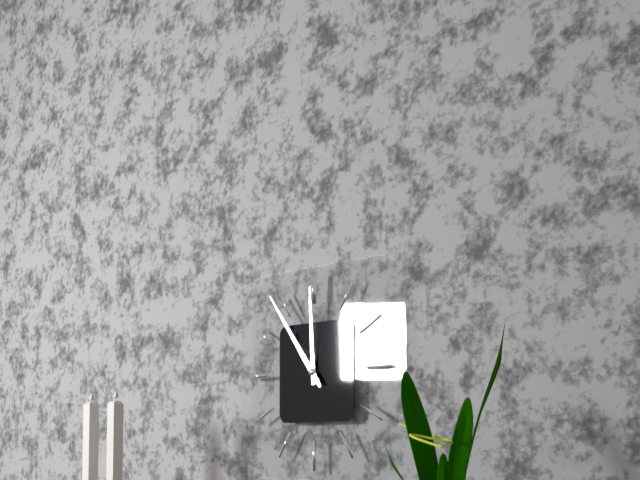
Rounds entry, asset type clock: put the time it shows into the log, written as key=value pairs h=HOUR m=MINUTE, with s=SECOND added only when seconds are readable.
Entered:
h=11 m=54
